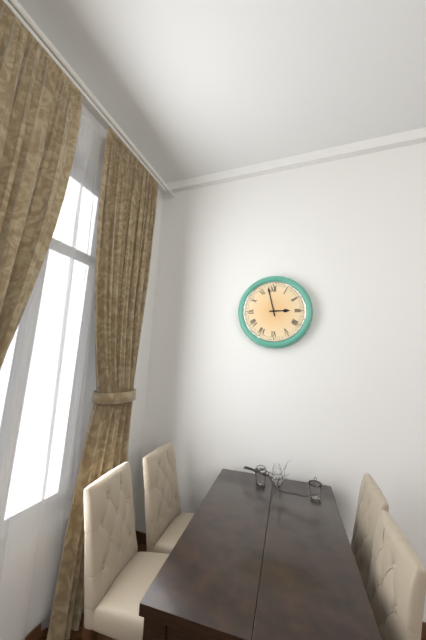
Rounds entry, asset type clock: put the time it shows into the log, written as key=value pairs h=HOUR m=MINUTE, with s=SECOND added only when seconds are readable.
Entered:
h=2 m=58
